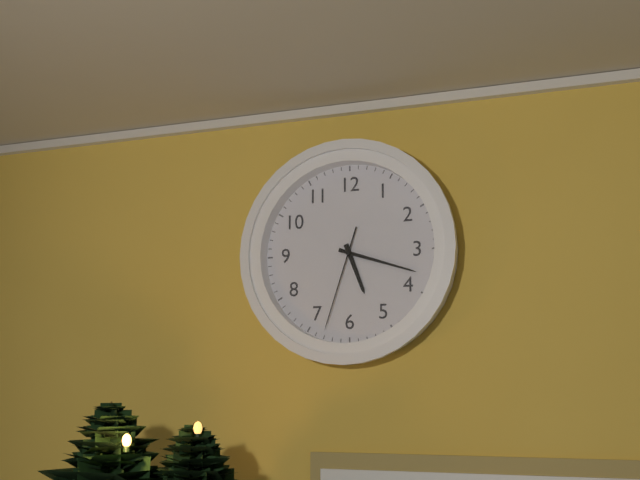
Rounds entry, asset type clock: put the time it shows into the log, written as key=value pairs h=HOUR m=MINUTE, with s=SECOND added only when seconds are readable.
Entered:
h=5 m=18 s=33
